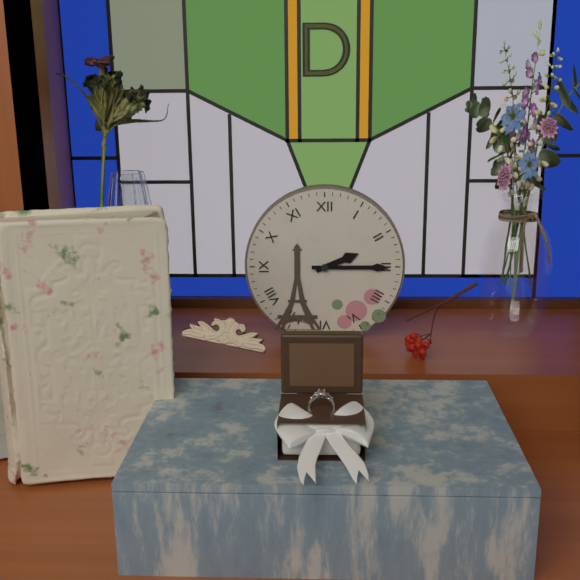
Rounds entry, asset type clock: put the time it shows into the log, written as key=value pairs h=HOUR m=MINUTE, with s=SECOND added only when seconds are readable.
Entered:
h=2 m=15
